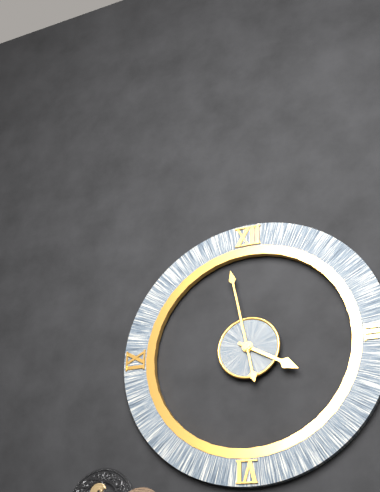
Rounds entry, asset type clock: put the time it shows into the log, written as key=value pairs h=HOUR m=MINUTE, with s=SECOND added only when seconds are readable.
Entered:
h=3 m=58
